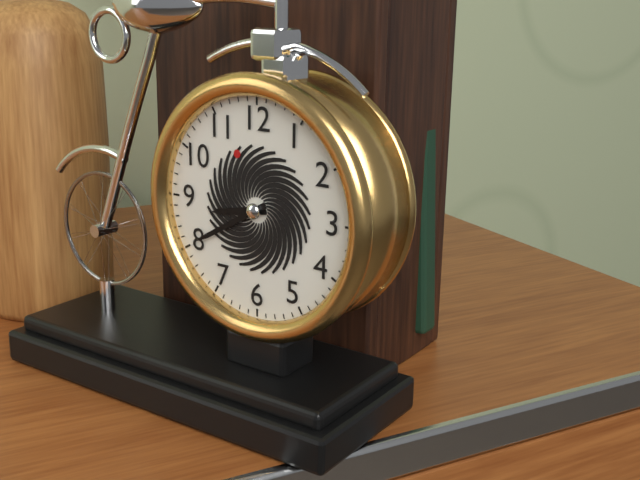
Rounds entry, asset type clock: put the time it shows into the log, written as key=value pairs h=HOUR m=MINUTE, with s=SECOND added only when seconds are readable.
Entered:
h=8 m=40
